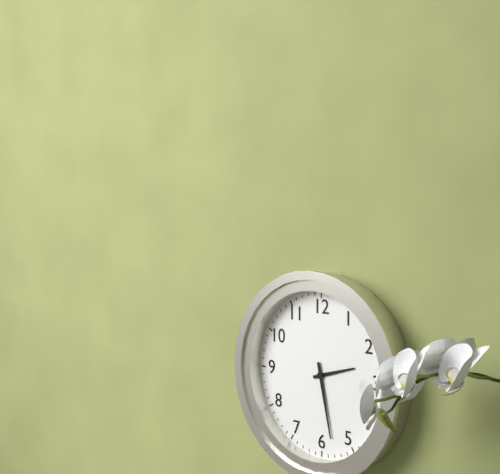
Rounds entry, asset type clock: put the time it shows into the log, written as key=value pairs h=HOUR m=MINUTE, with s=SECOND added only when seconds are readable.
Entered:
h=2 m=28
